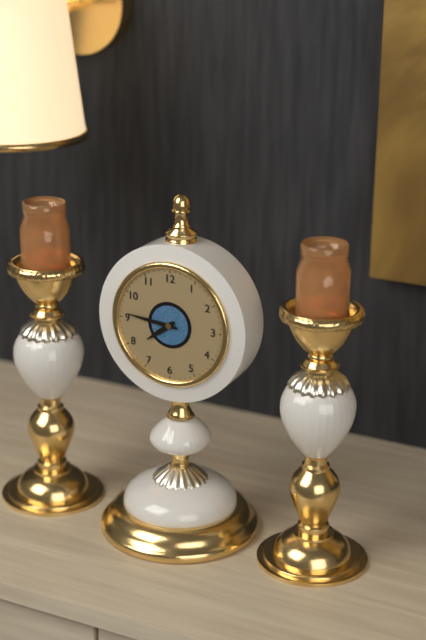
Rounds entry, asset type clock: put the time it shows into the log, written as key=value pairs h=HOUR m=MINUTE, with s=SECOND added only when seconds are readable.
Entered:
h=7 m=46
